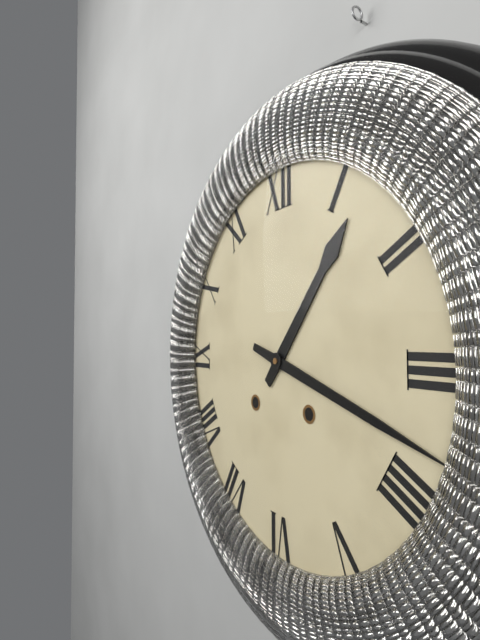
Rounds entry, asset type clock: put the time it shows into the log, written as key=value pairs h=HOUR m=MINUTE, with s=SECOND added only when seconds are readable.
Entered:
h=1 m=18
